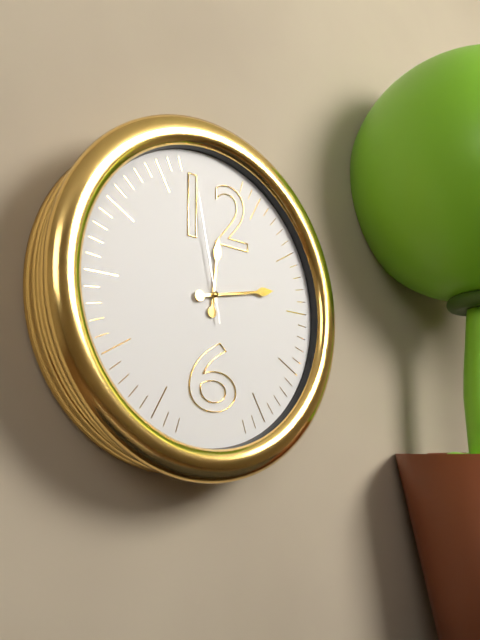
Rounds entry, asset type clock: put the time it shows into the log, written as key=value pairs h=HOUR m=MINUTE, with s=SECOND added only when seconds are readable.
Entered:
h=12 m=13 s=58
